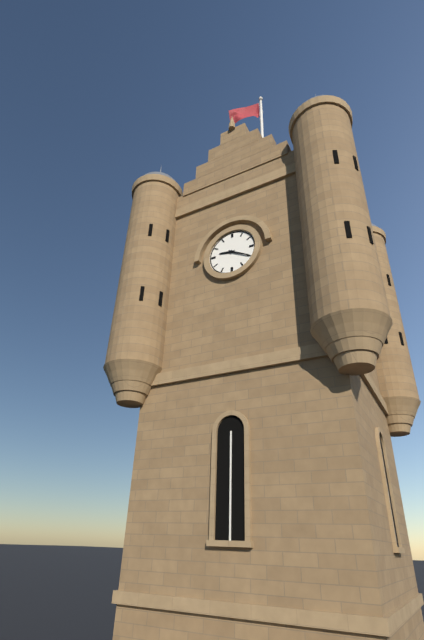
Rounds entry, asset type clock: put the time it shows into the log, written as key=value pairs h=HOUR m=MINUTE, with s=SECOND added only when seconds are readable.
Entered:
h=9 m=20
